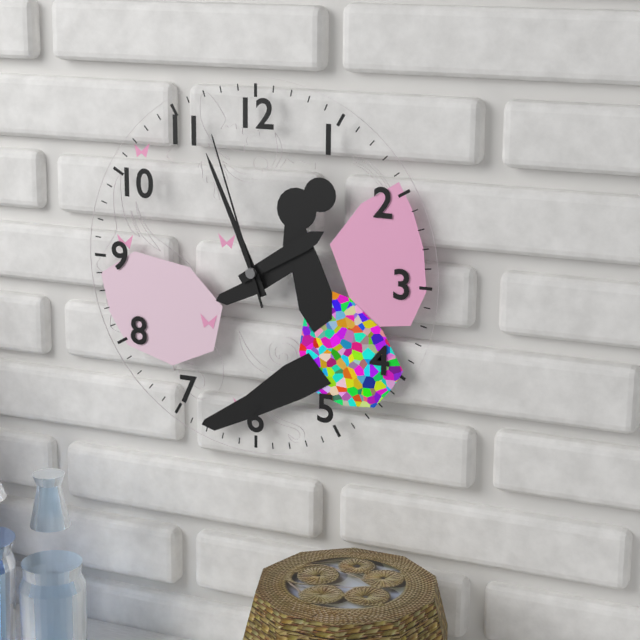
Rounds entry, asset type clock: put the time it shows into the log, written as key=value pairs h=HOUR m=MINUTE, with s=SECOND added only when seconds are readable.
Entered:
h=1 m=56 s=57
